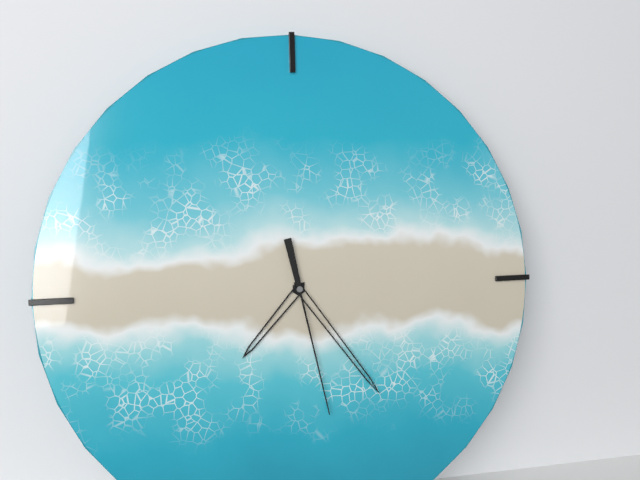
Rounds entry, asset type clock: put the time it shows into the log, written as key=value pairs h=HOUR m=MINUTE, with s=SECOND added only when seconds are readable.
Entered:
h=7 m=24 s=28
